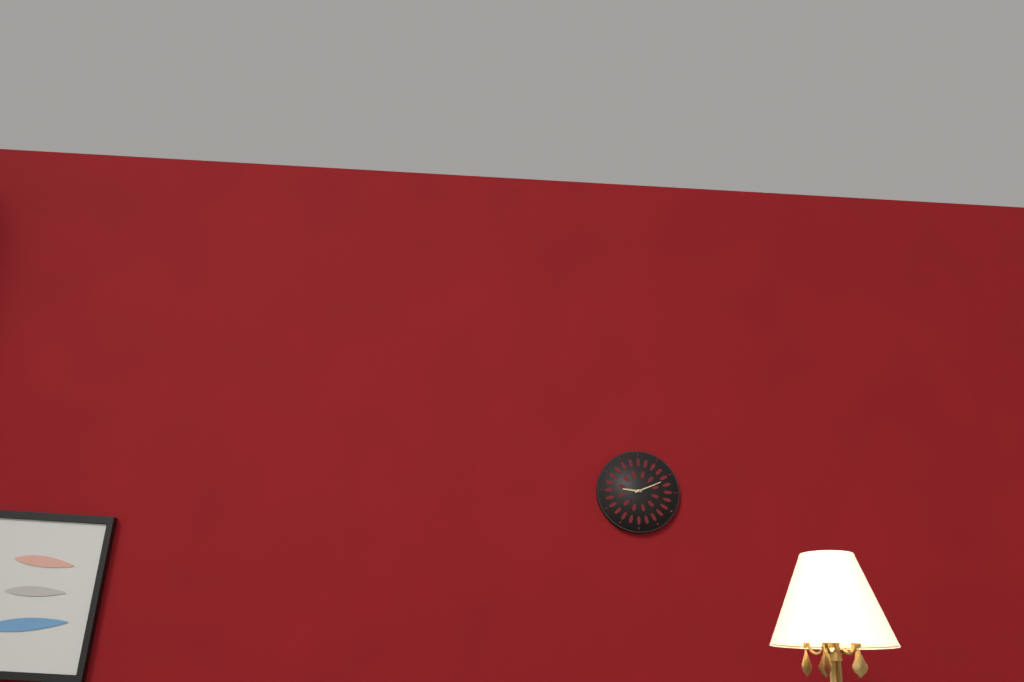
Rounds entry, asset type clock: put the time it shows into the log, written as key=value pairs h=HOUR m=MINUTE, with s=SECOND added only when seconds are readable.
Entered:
h=9 m=11
